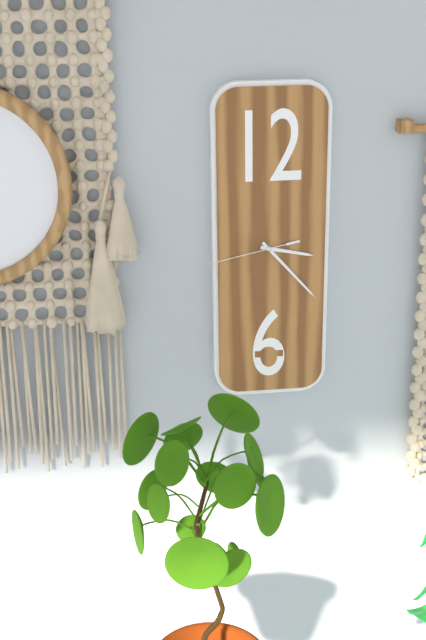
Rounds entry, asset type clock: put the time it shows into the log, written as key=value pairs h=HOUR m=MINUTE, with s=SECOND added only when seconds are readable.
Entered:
h=3 m=23 s=43
